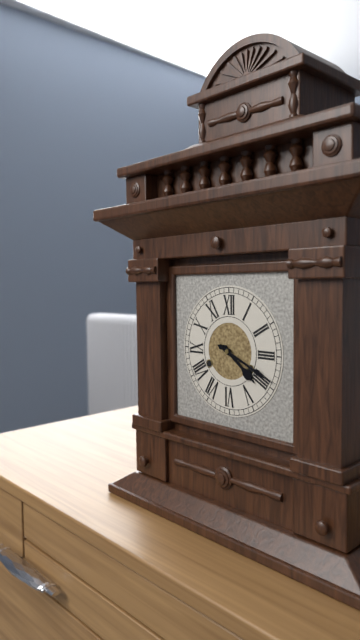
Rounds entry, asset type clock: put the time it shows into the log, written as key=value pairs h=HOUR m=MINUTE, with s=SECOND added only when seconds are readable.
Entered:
h=4 m=19
